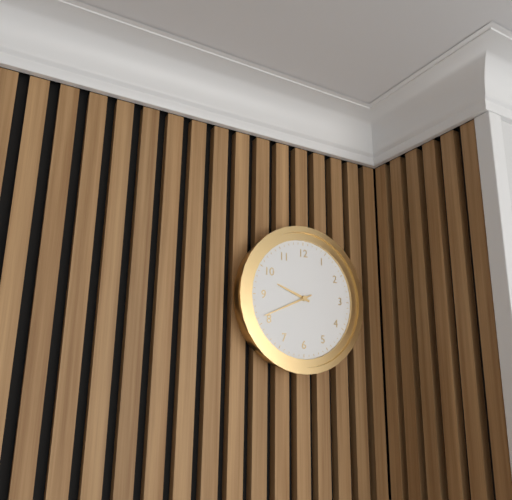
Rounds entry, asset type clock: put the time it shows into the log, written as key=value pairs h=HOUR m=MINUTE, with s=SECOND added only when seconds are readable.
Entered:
h=9 m=41
